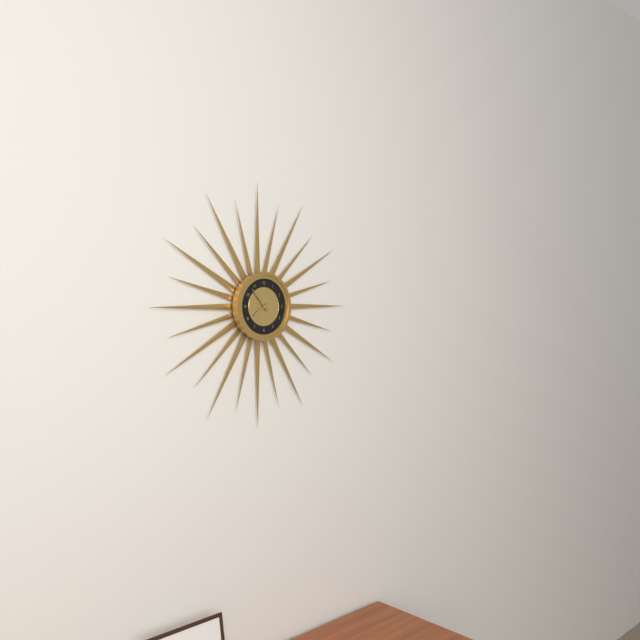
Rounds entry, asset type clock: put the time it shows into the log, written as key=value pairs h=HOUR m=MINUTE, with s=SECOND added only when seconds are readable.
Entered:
h=7 m=53
